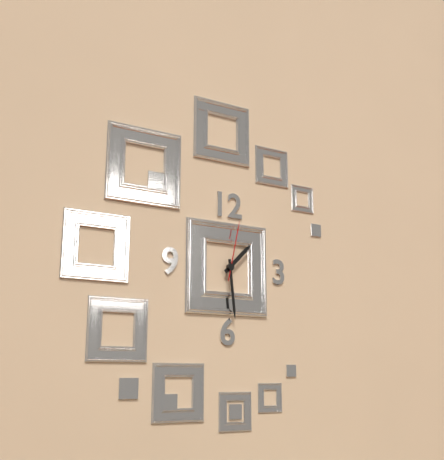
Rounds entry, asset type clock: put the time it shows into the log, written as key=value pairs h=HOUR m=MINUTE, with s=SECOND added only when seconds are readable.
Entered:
h=1 m=29 s=2
